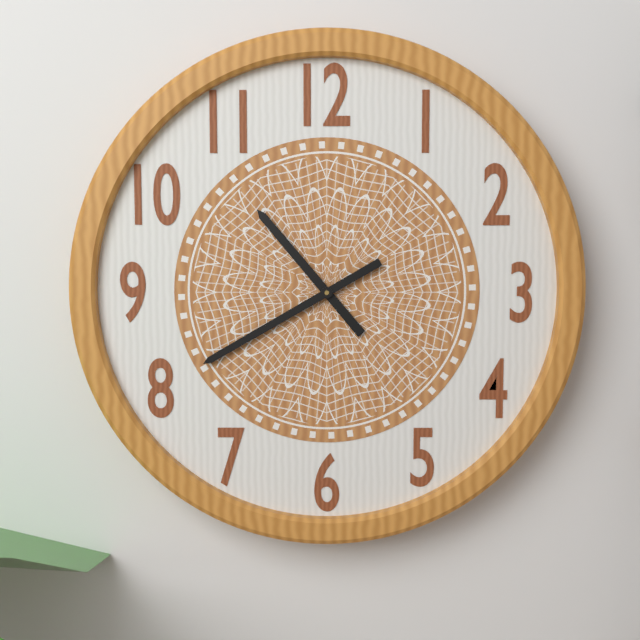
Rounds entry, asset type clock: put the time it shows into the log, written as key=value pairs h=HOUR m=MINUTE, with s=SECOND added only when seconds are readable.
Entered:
h=10 m=40
